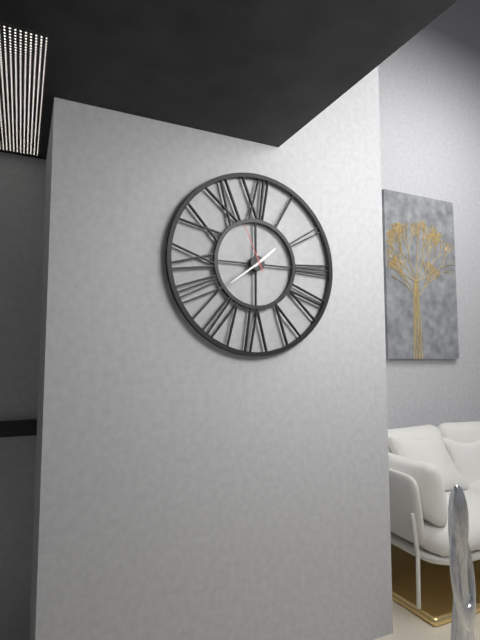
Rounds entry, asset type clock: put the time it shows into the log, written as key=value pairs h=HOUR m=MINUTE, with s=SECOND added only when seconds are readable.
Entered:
h=1 m=39 s=56
